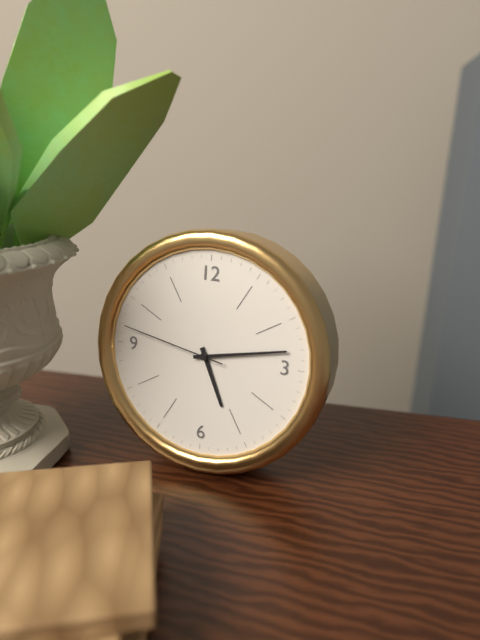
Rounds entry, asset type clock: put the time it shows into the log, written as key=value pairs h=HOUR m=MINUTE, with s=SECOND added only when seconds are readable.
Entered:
h=5 m=13 s=47
